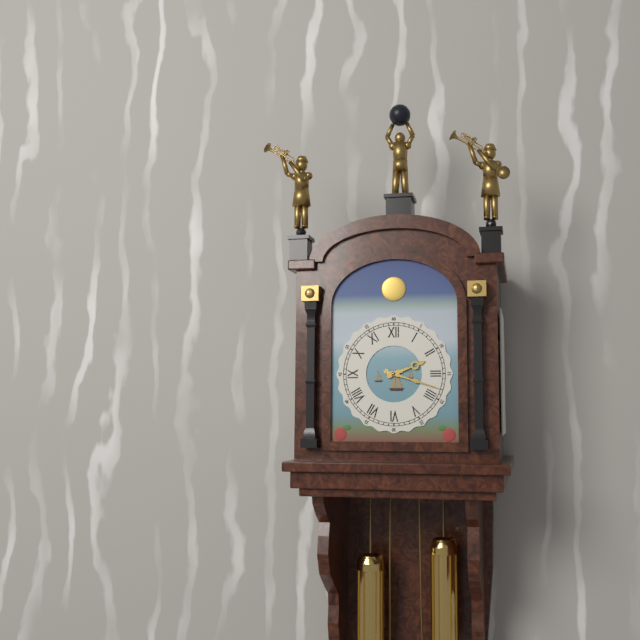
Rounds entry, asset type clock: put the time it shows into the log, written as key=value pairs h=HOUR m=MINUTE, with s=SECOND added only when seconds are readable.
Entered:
h=2 m=18
